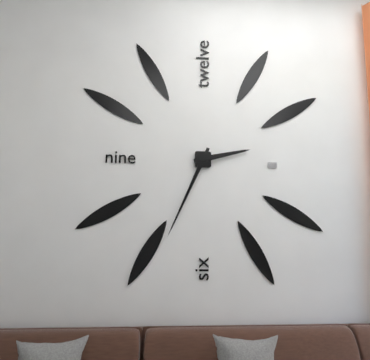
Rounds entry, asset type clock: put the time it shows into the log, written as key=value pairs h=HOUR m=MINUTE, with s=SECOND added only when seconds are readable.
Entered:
h=2 m=34
